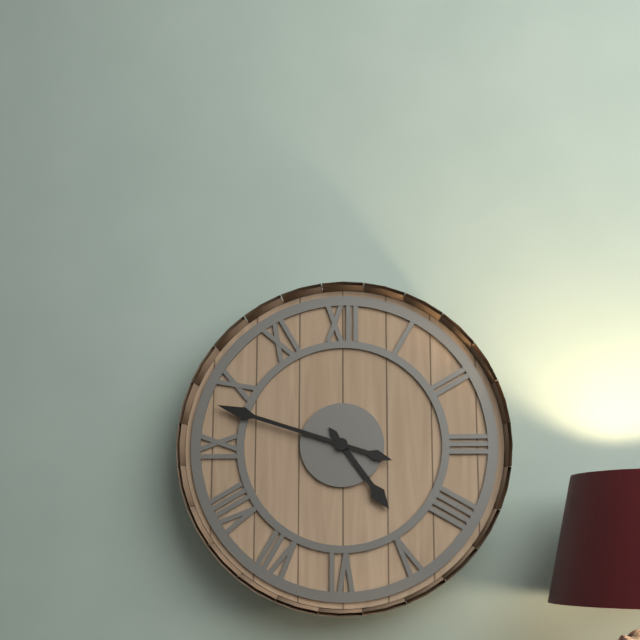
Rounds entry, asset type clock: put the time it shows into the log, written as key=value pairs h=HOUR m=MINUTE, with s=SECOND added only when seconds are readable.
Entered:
h=4 m=48
